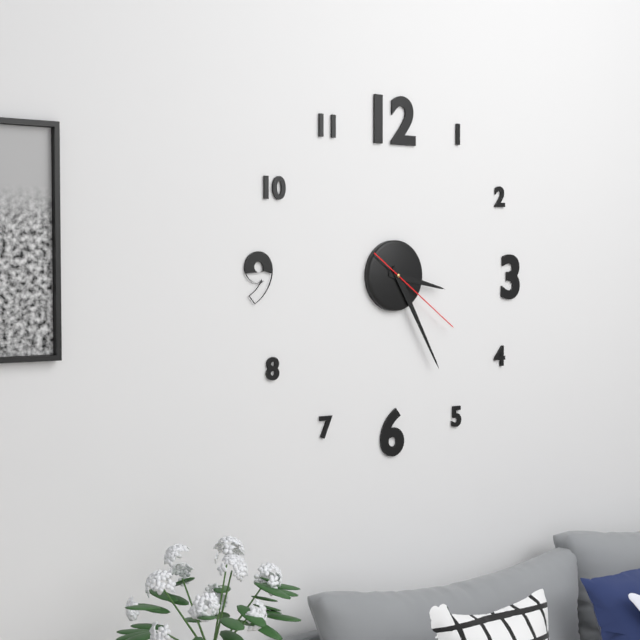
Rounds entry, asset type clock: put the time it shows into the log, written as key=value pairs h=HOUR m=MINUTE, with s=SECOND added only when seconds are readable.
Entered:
h=3 m=25 s=21
